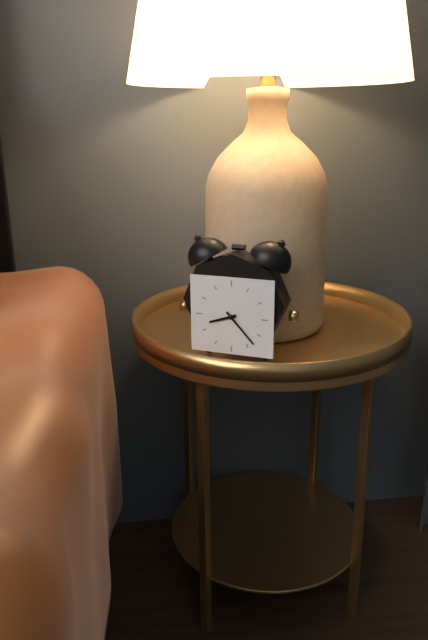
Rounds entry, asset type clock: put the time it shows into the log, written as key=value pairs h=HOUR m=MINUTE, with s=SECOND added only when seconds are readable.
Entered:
h=8 m=23
